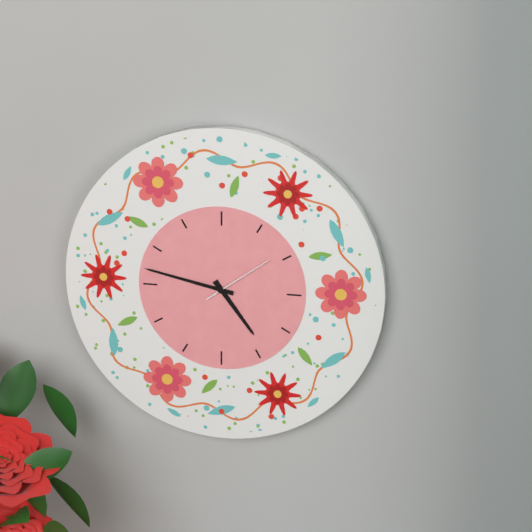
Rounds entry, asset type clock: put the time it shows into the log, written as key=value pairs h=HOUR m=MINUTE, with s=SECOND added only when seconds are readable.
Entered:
h=4 m=47 s=9
